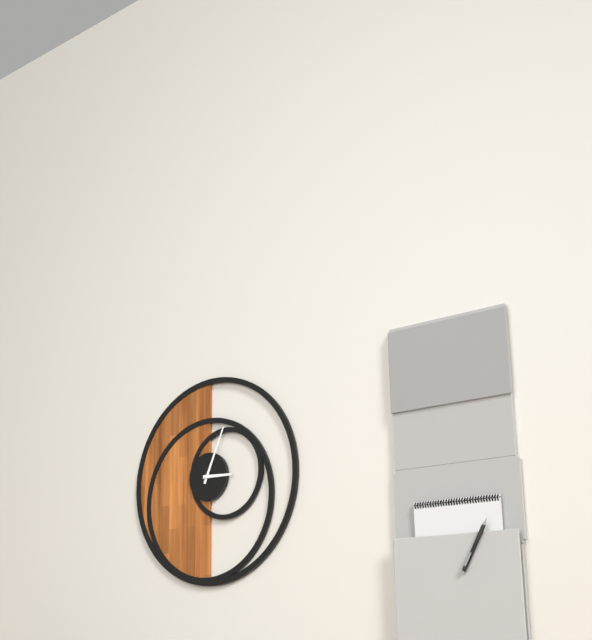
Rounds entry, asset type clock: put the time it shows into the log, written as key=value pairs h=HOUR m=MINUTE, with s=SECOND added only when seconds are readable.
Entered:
h=3 m=4
